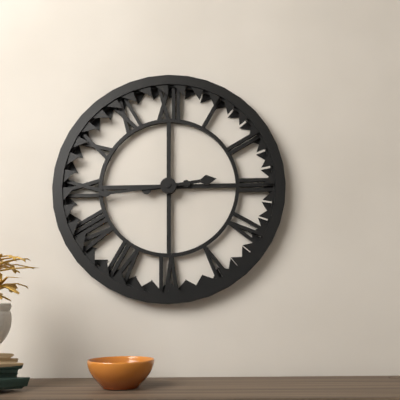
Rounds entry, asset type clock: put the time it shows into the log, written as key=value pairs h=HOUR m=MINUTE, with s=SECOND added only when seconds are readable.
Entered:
h=2 m=44
